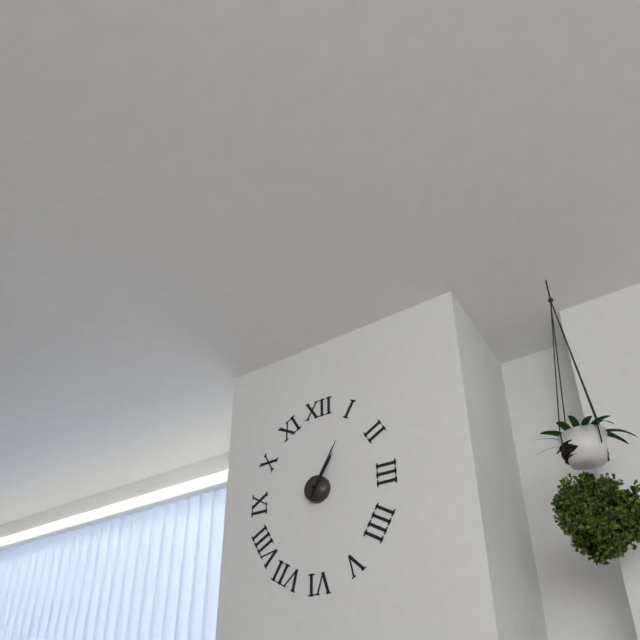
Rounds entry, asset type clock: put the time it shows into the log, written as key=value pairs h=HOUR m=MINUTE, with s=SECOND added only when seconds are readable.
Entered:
h=1 m=5
